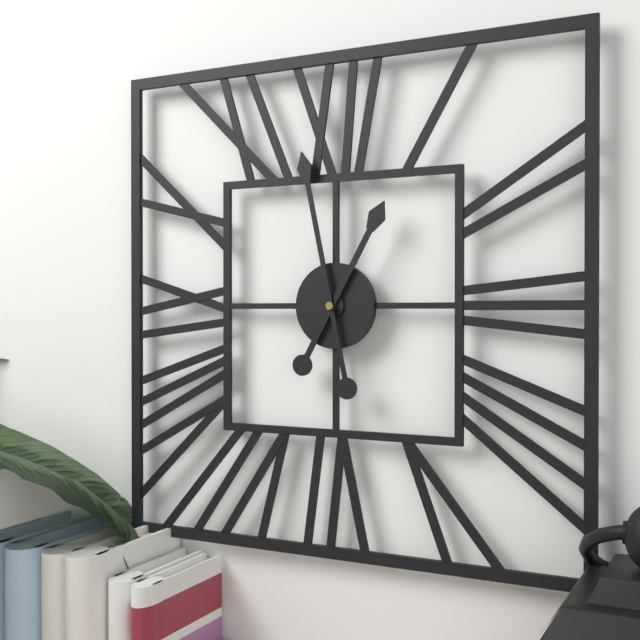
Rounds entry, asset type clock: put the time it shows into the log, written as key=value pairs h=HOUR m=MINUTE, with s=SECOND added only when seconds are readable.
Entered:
h=12 m=58
